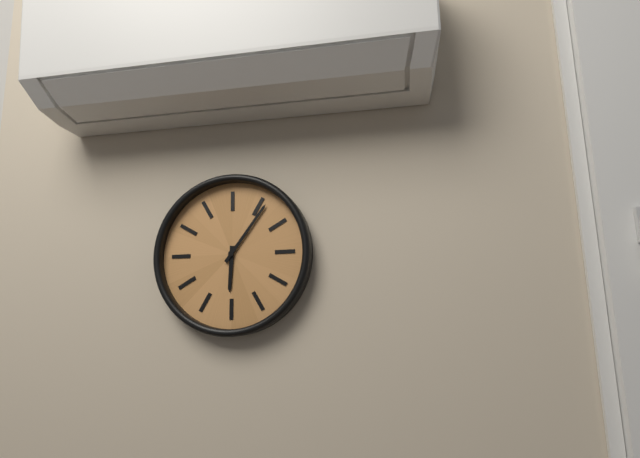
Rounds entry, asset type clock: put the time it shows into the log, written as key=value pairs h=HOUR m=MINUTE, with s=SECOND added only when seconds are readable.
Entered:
h=6 m=6
